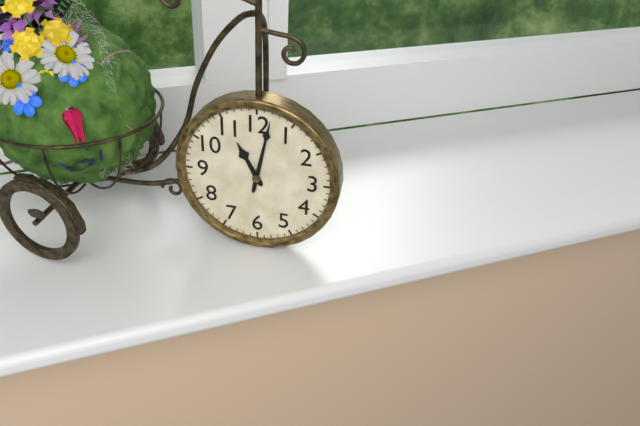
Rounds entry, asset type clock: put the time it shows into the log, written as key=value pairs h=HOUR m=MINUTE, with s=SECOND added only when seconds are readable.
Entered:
h=11 m=2
